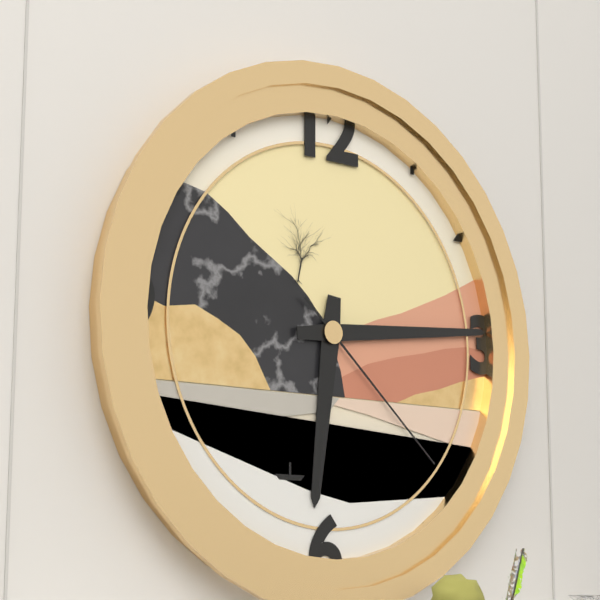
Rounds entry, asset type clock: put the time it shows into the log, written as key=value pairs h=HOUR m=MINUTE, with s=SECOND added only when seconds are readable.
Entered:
h=6 m=14 s=22
